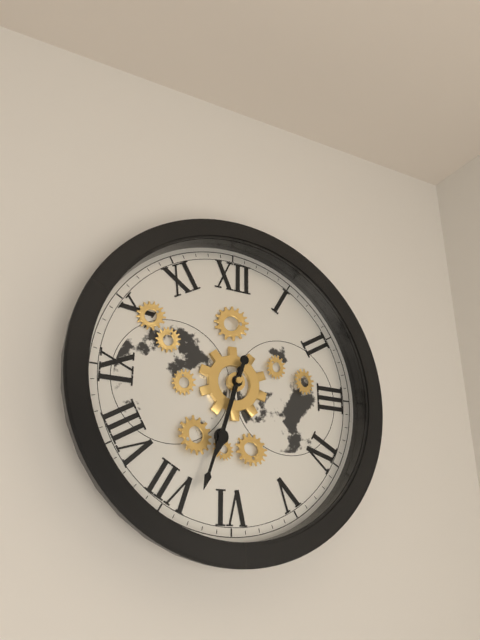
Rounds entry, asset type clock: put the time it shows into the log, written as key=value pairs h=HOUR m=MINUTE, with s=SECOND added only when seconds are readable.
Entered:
h=6 m=33
